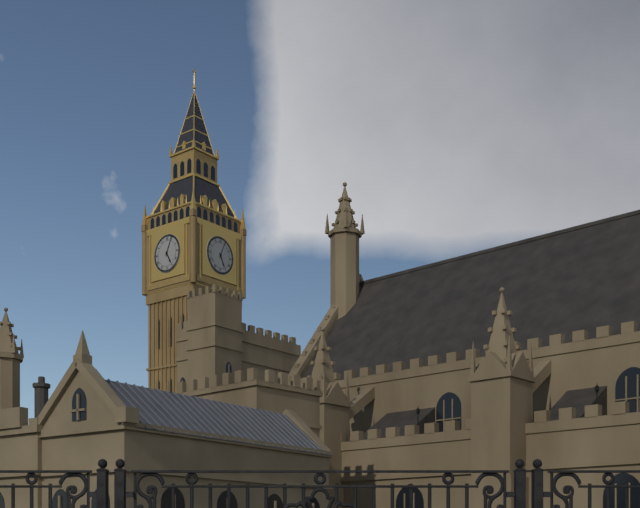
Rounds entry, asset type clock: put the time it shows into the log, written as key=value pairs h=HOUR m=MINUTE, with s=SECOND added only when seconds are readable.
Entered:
h=5 m=4
